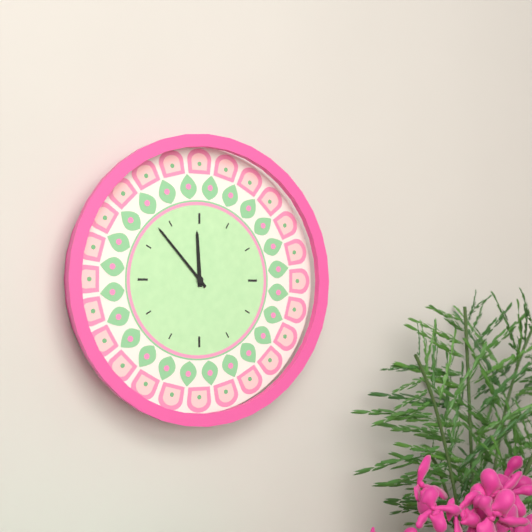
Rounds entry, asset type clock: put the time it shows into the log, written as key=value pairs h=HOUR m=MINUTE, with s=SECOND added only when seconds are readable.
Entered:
h=11 m=53
